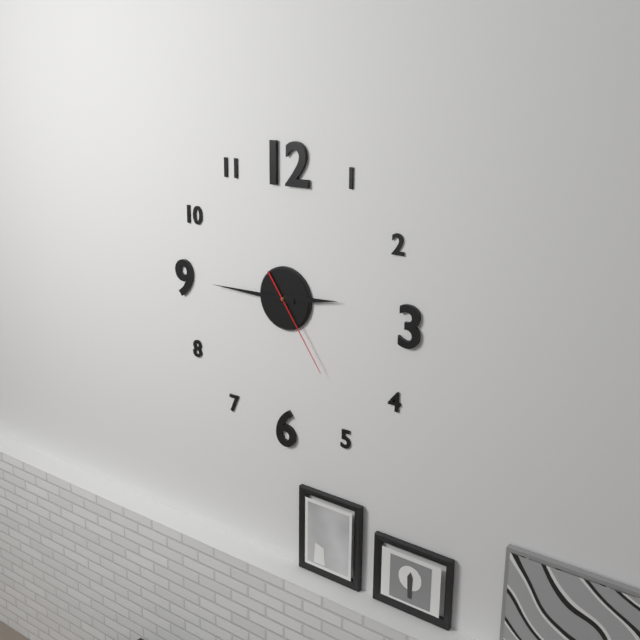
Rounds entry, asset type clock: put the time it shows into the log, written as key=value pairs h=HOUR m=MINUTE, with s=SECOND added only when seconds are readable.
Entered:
h=2 m=45 s=24
